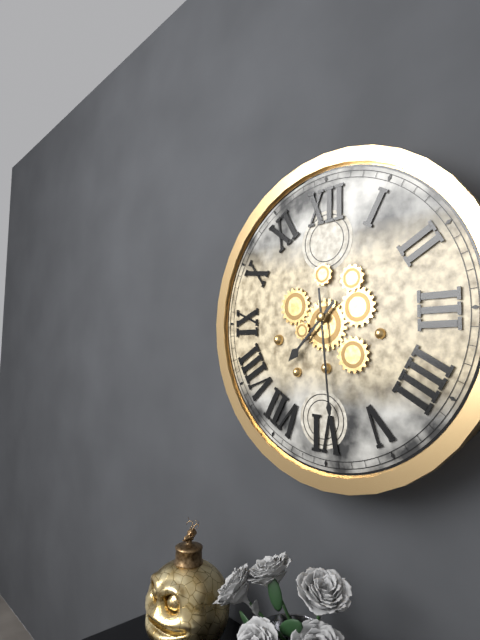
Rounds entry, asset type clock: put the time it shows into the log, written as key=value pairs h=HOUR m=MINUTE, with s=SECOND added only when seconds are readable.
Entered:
h=7 m=29
